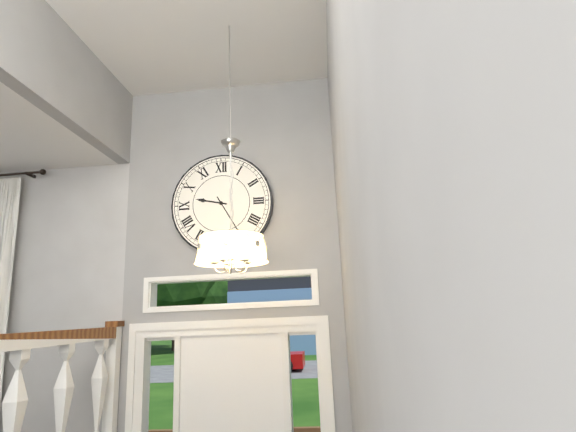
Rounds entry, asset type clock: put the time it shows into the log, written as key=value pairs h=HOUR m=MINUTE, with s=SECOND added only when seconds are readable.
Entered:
h=9 m=25
